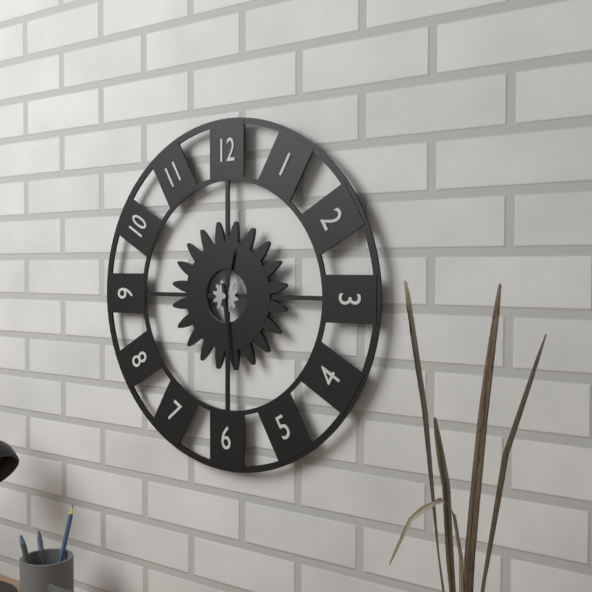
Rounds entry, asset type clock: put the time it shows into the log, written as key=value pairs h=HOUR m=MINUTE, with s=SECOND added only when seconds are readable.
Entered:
h=12 m=29
